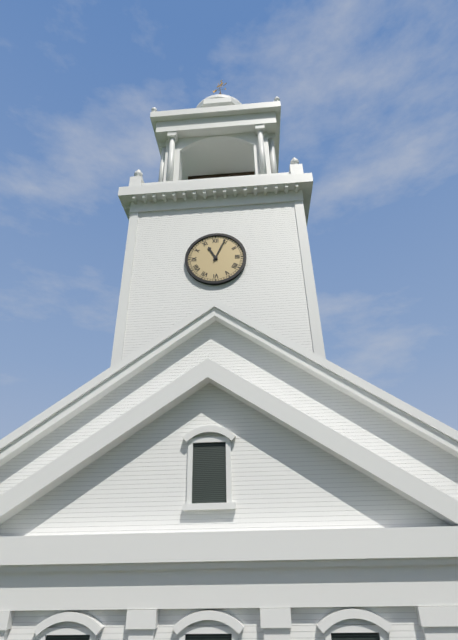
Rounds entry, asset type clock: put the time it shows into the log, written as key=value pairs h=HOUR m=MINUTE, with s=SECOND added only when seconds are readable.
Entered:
h=11 m=4
